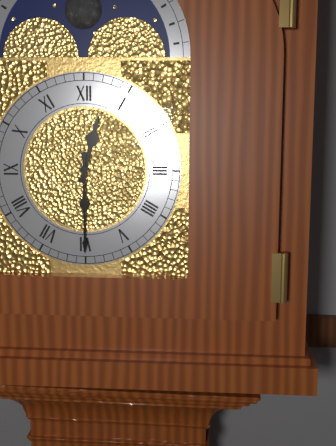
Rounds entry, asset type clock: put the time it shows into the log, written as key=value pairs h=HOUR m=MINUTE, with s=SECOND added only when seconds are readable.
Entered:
h=12 m=30
